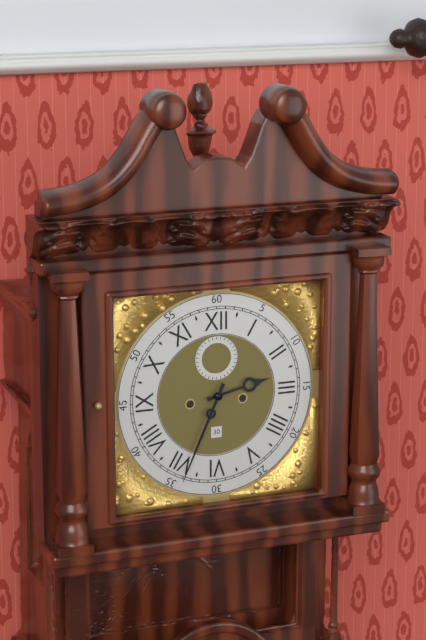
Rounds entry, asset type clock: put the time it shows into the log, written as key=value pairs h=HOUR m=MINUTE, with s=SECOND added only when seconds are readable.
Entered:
h=2 m=34
